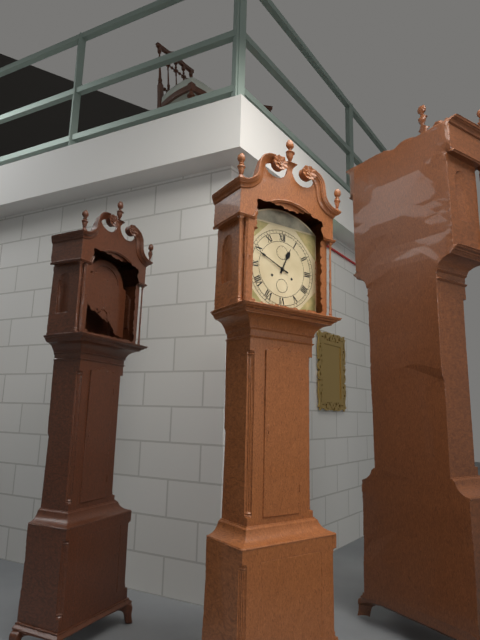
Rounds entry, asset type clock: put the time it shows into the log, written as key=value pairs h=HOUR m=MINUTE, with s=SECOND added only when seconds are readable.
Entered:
h=12 m=49
